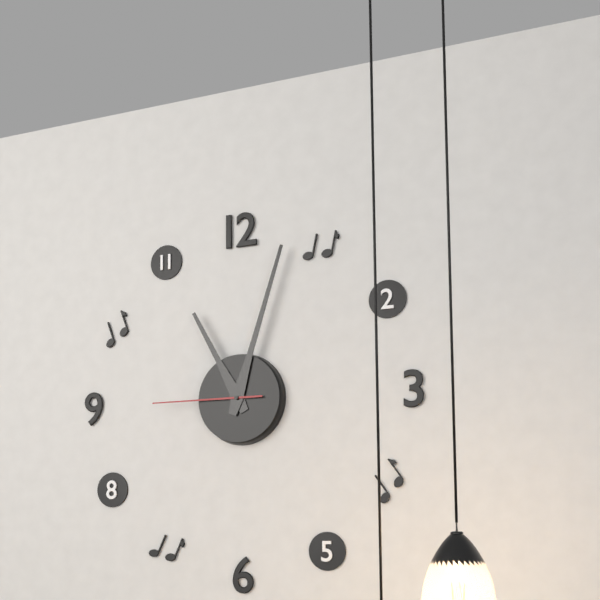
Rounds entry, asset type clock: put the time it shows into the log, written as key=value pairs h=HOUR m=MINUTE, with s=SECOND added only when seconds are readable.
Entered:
h=11 m=3 s=45
